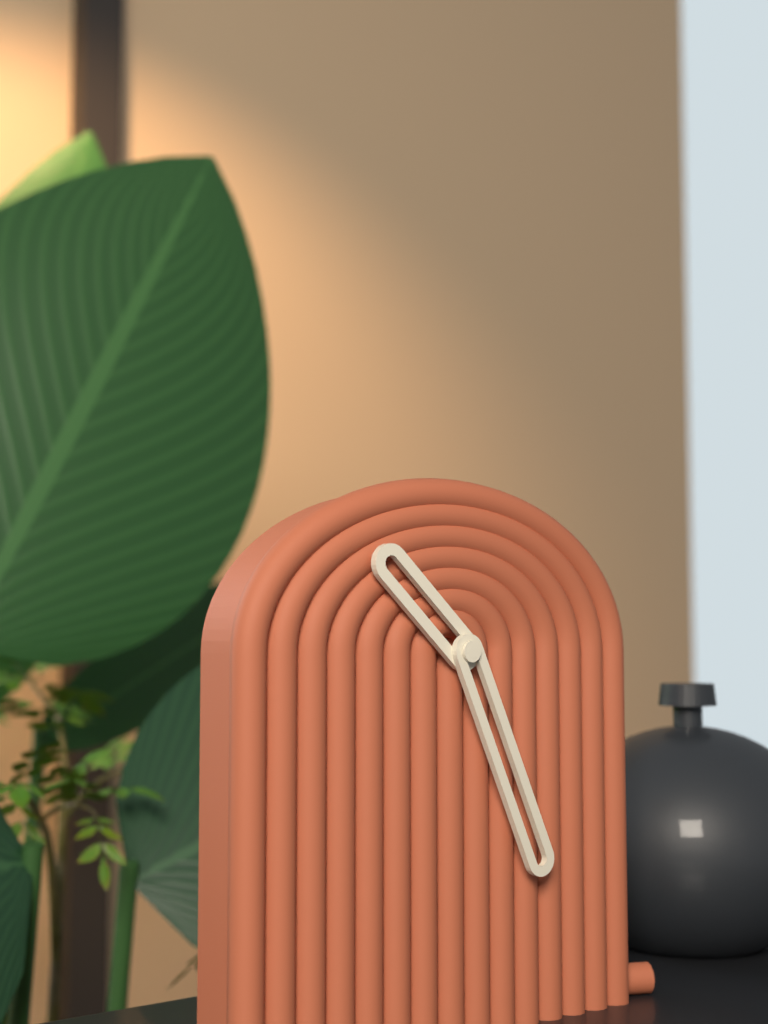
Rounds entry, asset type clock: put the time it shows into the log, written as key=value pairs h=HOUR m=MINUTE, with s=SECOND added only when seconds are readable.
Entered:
h=10 m=26
